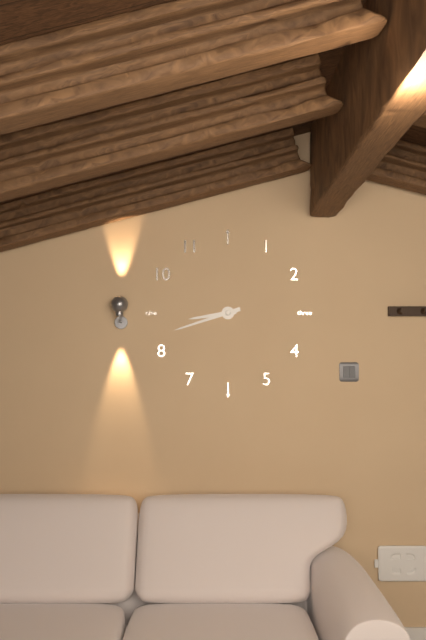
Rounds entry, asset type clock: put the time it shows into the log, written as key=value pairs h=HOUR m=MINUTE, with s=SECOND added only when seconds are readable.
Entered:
h=8 m=42
